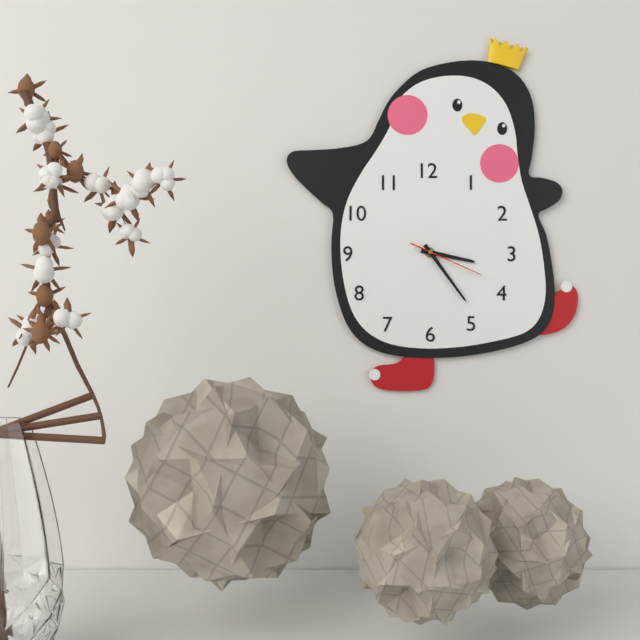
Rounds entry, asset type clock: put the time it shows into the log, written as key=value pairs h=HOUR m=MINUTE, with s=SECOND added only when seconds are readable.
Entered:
h=3 m=24 s=19
